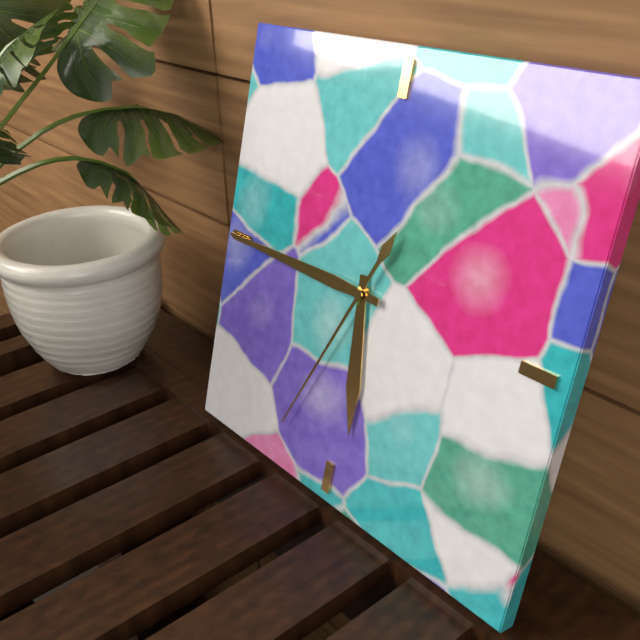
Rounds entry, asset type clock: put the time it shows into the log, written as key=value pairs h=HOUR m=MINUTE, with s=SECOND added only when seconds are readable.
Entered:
h=5 m=45 s=34
